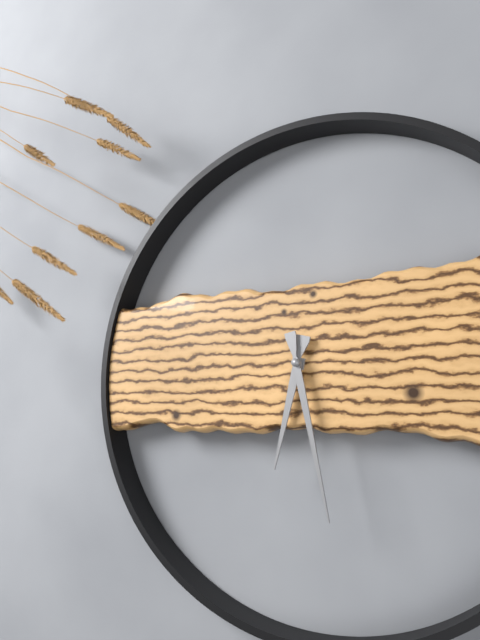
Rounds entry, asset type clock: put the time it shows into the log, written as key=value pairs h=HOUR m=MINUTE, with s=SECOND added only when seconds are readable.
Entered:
h=6 m=28
